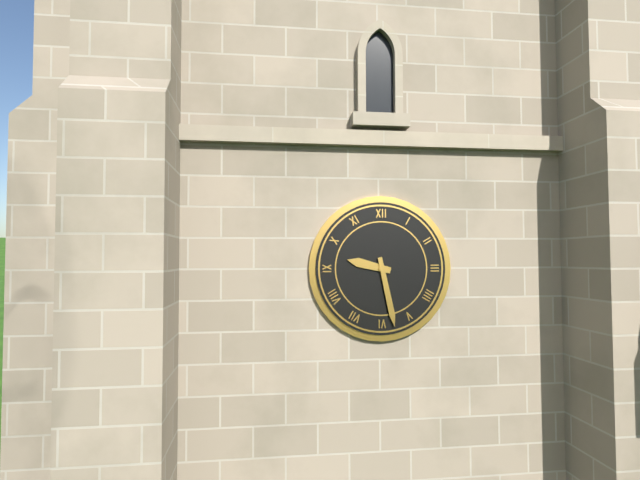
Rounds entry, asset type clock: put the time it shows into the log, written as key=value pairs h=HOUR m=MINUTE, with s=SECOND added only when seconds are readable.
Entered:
h=9 m=28
